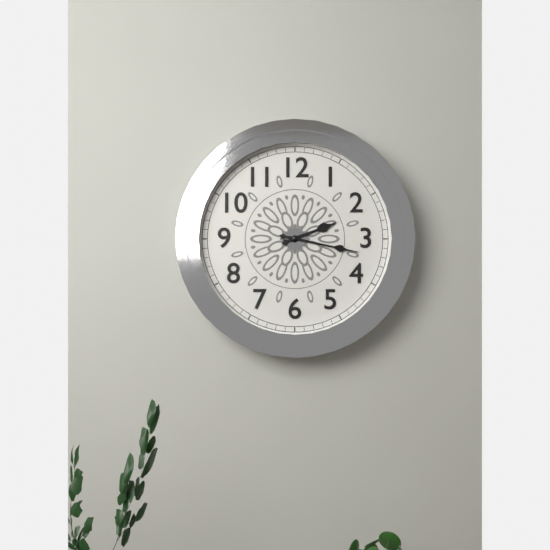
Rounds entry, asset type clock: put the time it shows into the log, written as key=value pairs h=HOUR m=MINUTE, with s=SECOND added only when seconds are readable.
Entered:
h=2 m=17
